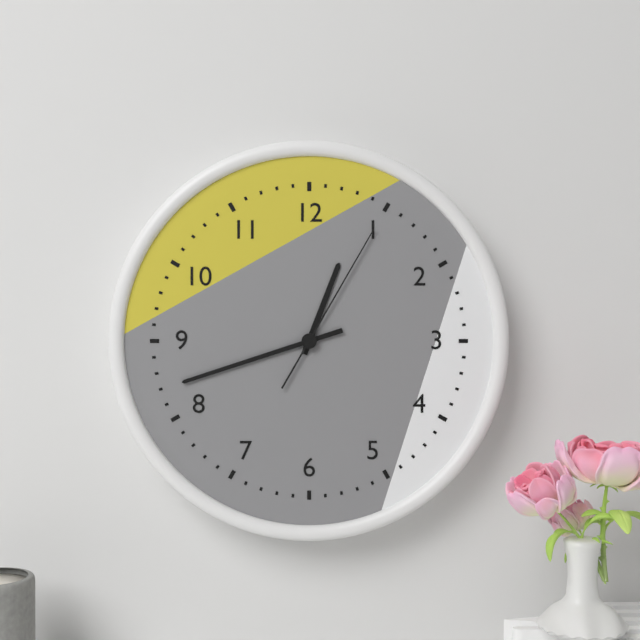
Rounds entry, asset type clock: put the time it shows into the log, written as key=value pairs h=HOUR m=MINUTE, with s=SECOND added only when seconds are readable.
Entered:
h=12 m=42 s=5
